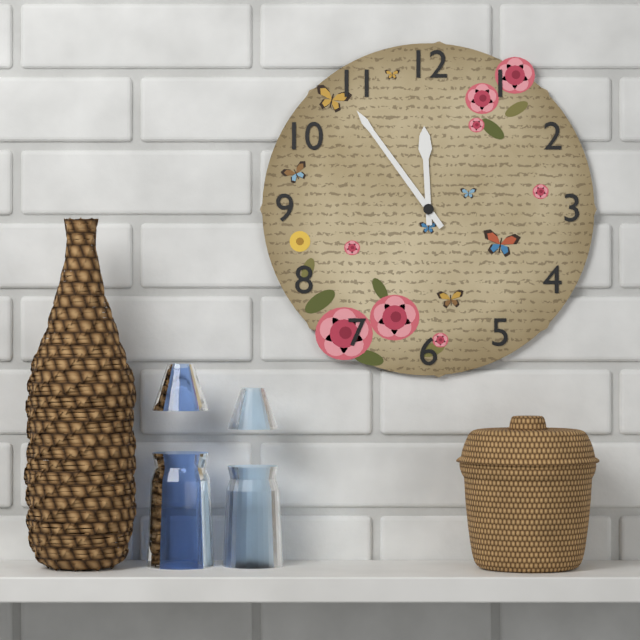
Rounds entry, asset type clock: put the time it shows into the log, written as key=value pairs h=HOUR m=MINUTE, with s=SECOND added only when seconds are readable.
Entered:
h=11 m=54
